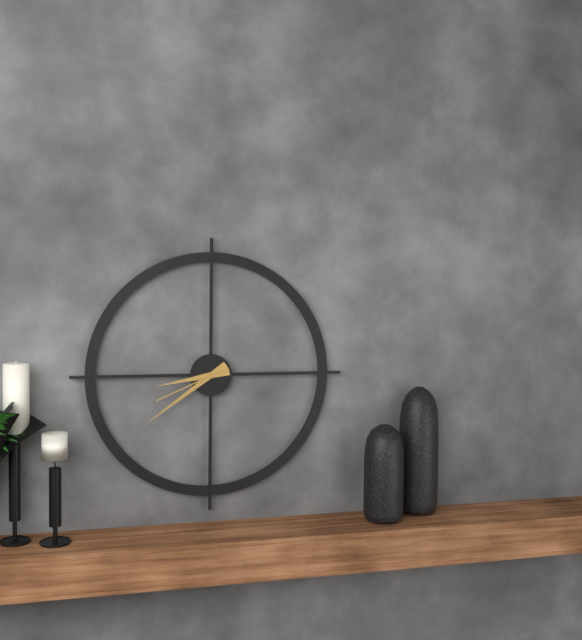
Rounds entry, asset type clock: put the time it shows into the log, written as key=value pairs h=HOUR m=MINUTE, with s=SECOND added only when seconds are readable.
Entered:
h=8 m=39 s=41
